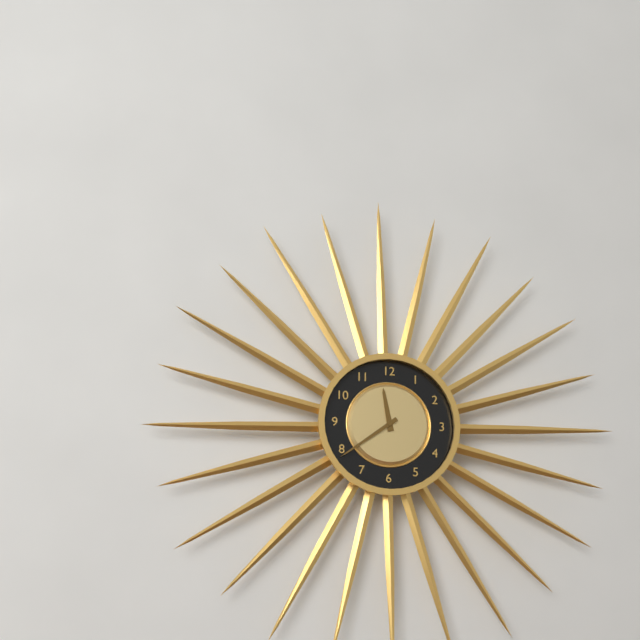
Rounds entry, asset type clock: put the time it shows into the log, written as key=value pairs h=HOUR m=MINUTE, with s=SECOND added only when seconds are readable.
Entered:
h=11 m=39
